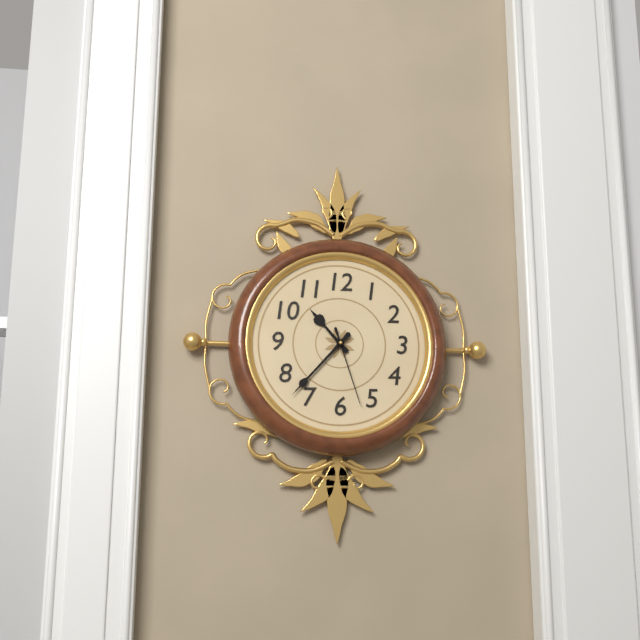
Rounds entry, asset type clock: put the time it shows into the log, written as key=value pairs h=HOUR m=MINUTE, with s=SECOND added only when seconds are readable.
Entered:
h=10 m=37 s=27
